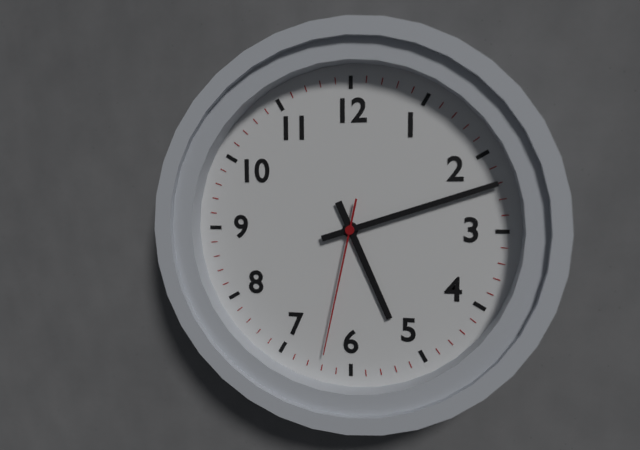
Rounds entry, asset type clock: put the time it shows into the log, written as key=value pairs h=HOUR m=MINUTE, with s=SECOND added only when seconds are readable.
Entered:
h=5 m=12 s=32
